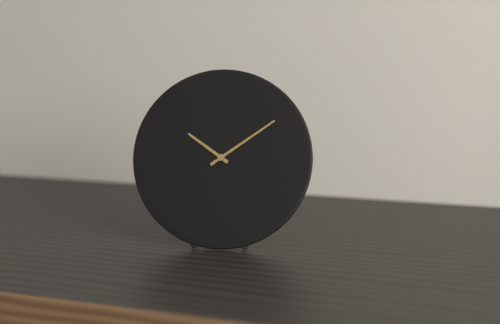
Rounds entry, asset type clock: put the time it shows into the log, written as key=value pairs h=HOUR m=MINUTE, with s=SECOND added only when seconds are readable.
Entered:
h=10 m=9
